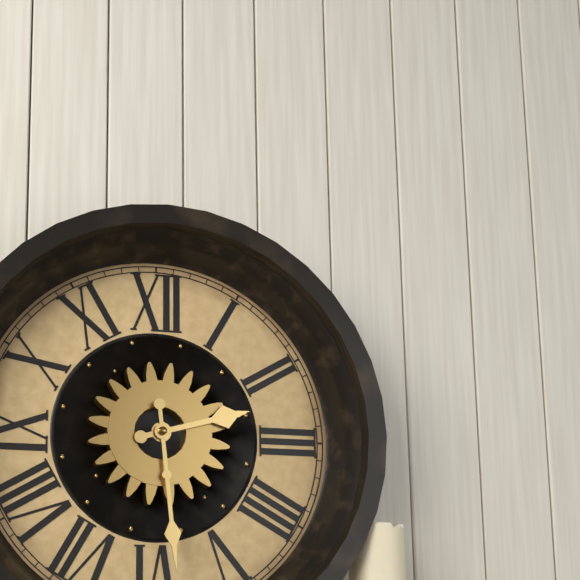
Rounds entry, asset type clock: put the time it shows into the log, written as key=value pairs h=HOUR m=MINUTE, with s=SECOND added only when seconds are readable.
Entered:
h=2 m=29
